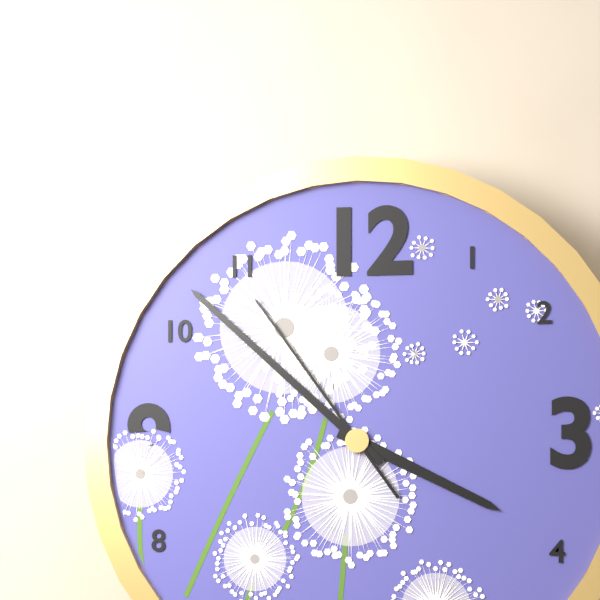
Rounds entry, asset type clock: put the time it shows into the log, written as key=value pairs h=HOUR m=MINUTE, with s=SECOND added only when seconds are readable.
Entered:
h=3 m=52 s=54
